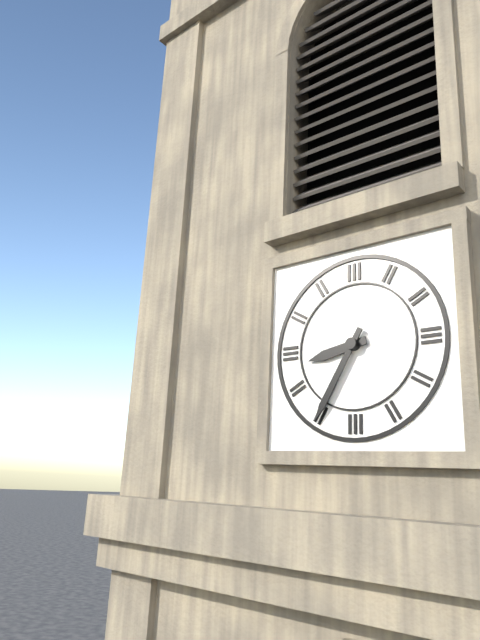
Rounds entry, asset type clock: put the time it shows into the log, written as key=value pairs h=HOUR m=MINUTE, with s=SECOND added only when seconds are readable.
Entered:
h=8 m=35
